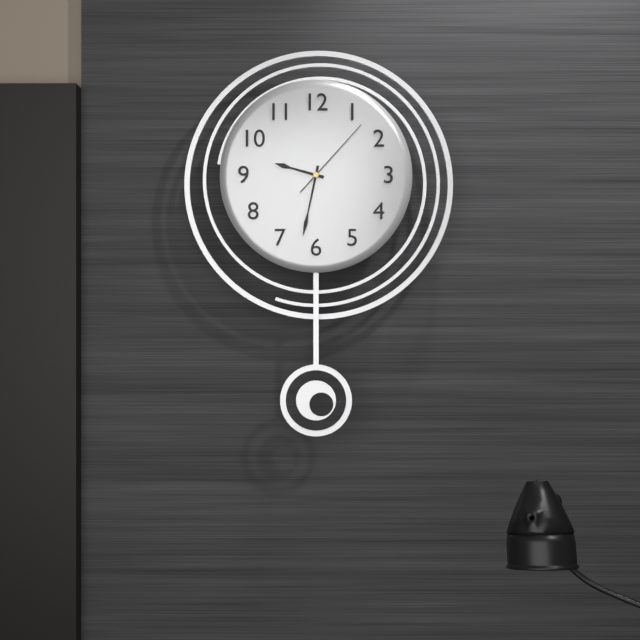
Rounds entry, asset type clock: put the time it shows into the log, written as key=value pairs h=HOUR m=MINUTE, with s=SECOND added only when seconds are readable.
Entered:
h=9 m=32 s=7
